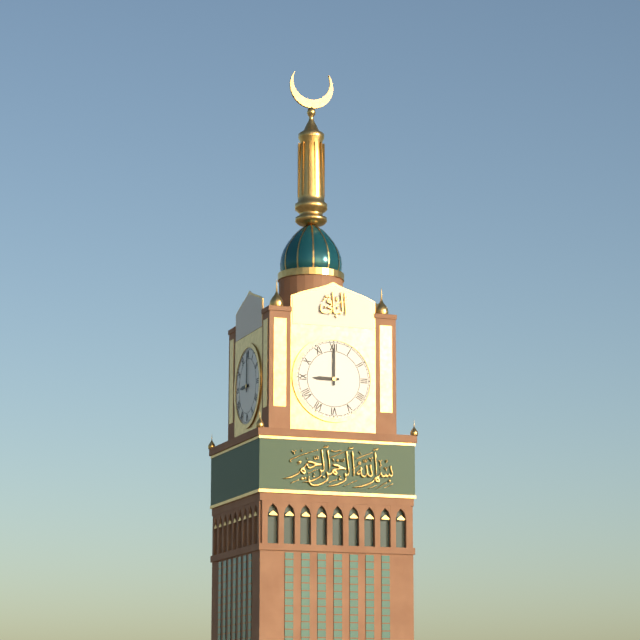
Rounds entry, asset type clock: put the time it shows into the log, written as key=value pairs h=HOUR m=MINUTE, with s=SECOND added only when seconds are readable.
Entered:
h=9 m=0
